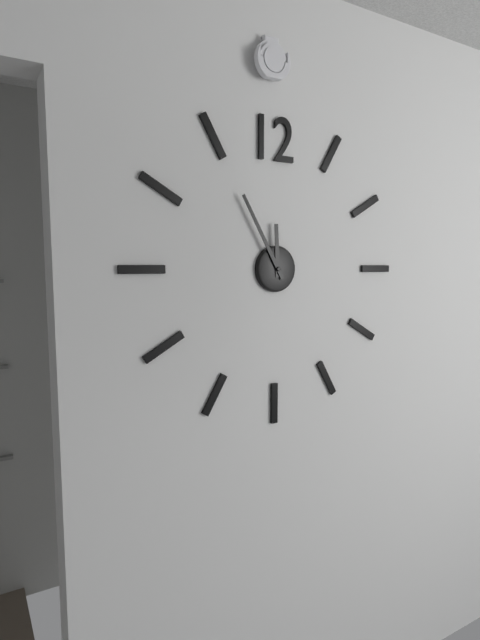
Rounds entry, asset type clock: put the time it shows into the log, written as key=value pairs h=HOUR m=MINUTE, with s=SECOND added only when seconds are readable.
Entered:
h=11 m=55
